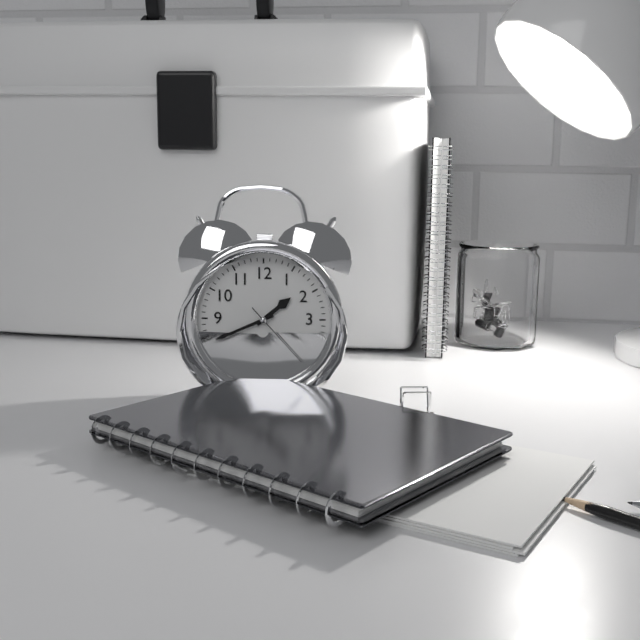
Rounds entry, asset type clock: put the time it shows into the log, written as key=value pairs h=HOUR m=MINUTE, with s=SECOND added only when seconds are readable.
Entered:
h=1 m=41 s=23
